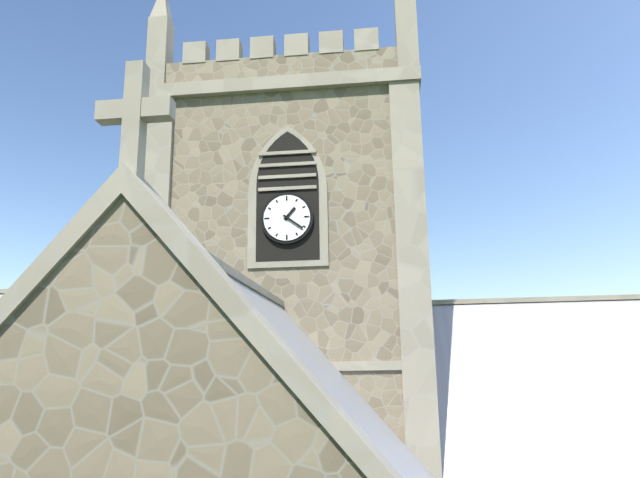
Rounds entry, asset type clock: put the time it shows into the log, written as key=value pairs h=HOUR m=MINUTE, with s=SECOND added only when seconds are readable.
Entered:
h=1 m=21
